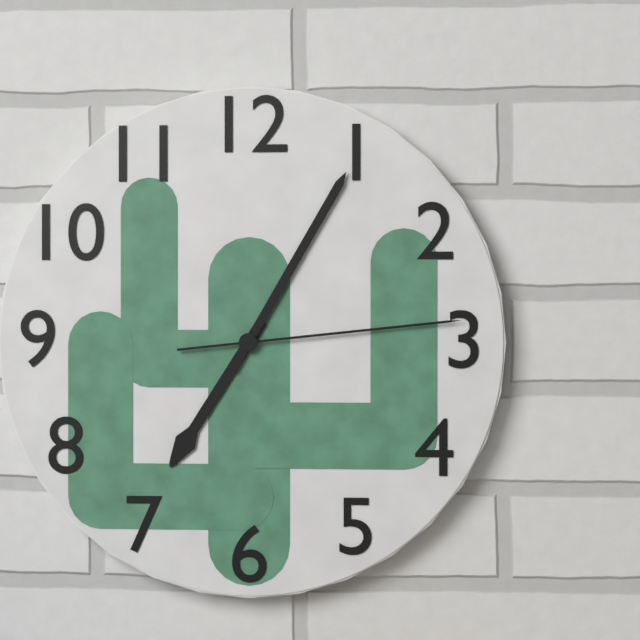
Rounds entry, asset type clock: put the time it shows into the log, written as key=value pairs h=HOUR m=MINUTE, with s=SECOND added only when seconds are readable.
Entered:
h=7 m=5 s=14
